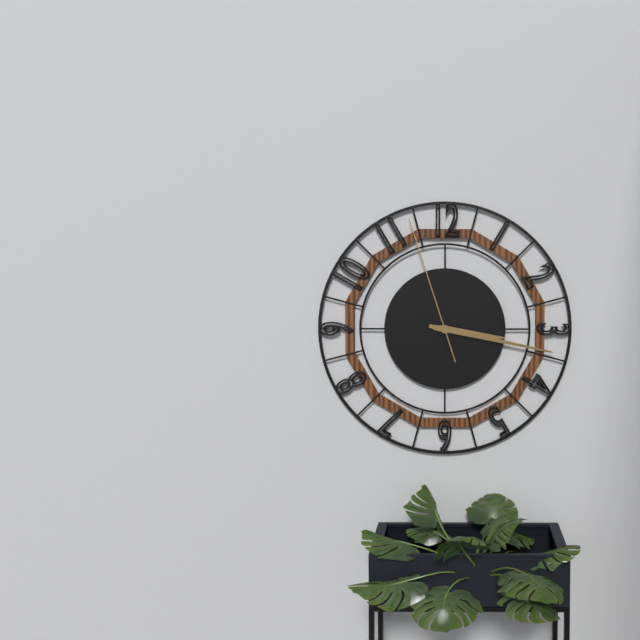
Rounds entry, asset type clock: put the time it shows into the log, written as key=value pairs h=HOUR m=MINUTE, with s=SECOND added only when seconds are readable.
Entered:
h=3 m=17 s=57
